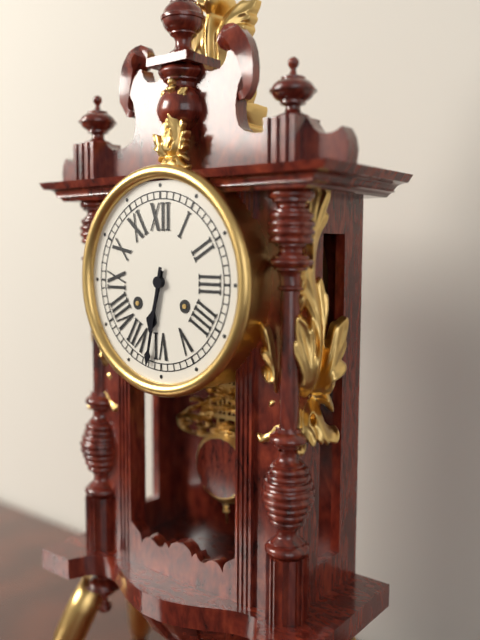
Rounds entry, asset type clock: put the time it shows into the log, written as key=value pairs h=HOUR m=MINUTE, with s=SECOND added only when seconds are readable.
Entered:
h=6 m=32
